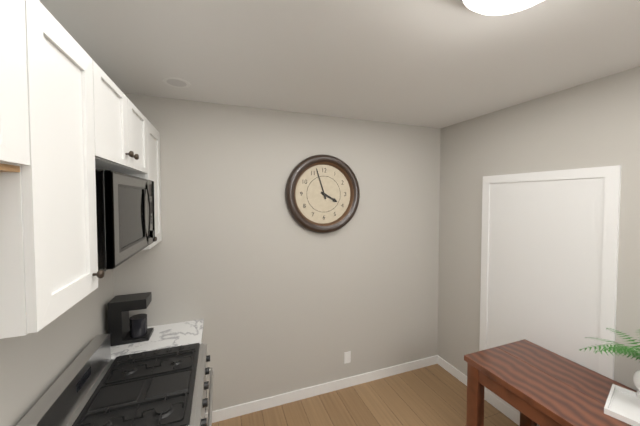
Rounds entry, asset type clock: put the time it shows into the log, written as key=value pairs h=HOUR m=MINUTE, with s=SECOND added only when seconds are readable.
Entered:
h=3 m=57
